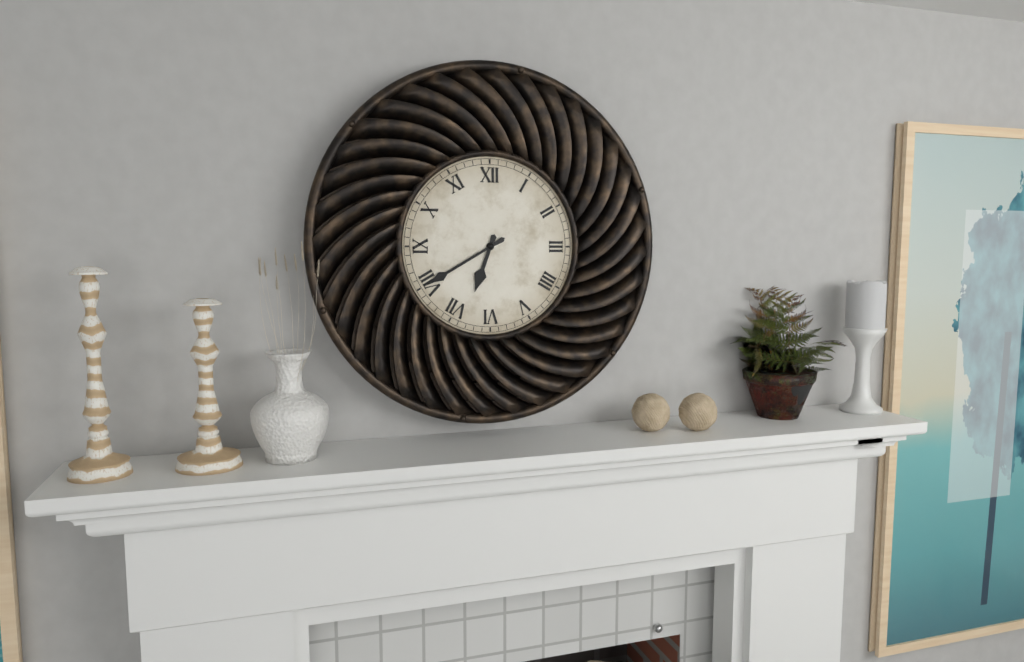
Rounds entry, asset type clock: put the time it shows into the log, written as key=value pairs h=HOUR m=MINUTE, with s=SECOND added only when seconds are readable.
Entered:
h=6 m=40
